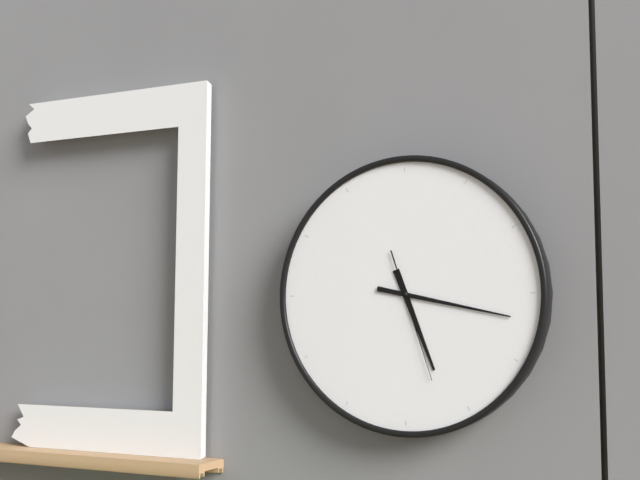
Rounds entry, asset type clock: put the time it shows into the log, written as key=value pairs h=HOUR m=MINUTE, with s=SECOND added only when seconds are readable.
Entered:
h=5 m=17 s=27
